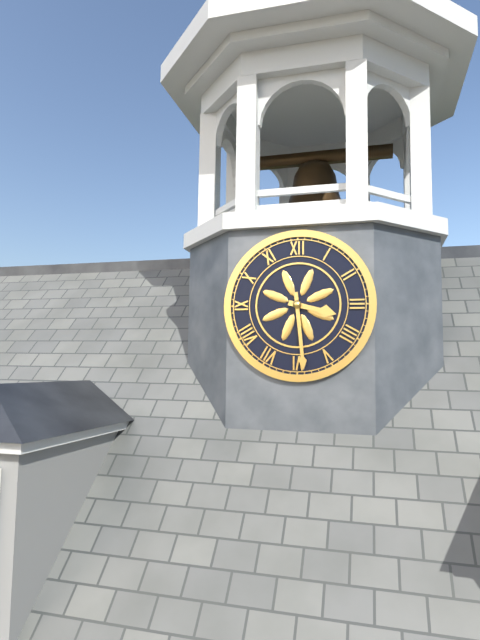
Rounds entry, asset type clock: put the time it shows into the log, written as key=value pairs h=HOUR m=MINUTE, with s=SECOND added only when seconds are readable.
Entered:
h=3 m=29
